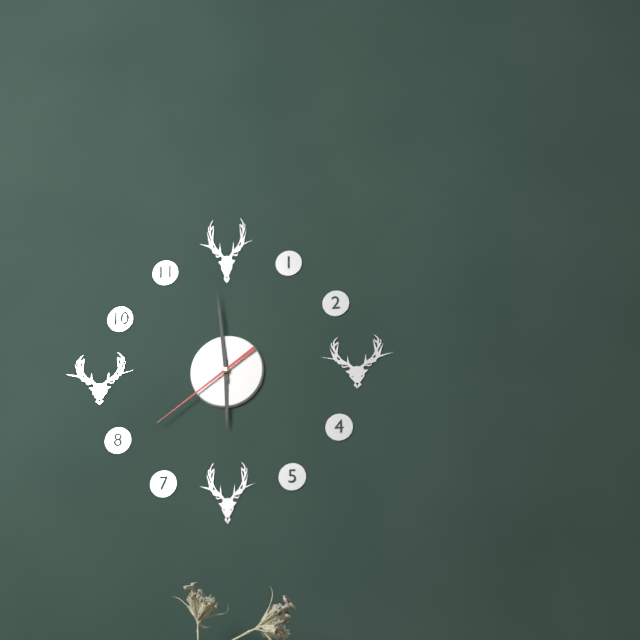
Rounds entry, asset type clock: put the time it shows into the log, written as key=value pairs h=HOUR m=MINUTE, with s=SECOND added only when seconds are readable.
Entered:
h=5 m=59 s=39
